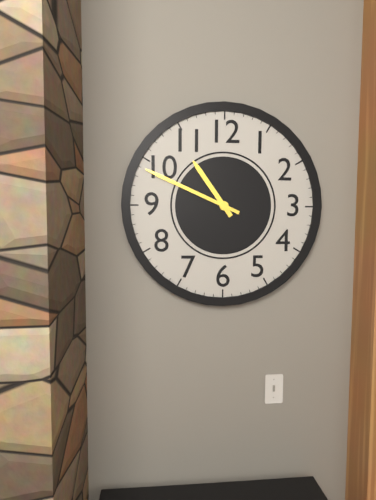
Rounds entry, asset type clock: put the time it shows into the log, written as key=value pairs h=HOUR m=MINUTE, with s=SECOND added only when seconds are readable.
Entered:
h=10 m=49
